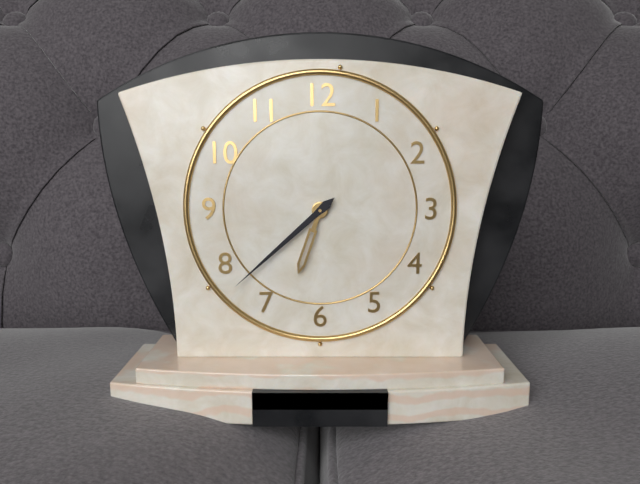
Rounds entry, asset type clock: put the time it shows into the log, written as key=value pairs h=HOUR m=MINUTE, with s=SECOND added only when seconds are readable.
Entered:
h=6 m=38
